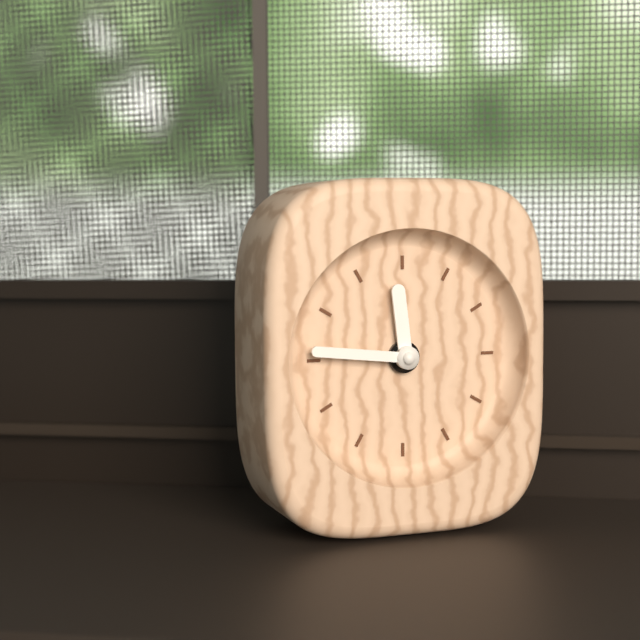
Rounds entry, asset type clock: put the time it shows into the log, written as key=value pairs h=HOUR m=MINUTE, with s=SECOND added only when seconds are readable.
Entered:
h=11 m=46
